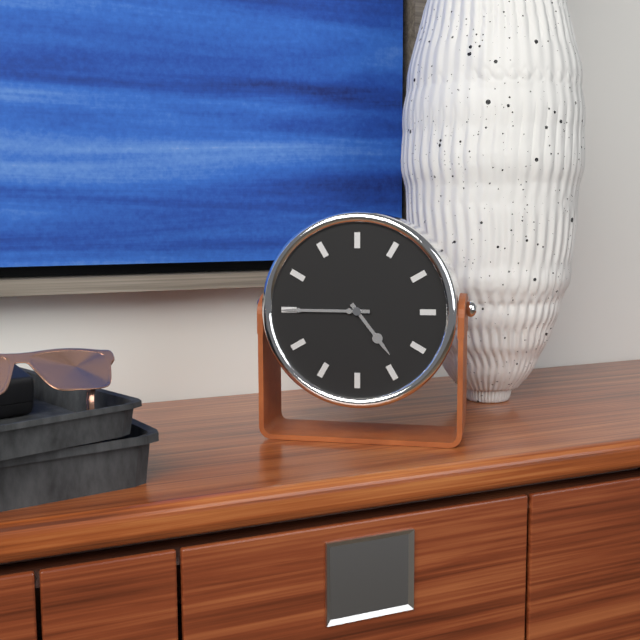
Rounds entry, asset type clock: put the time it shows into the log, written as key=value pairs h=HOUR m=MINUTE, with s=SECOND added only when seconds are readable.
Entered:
h=4 m=45
